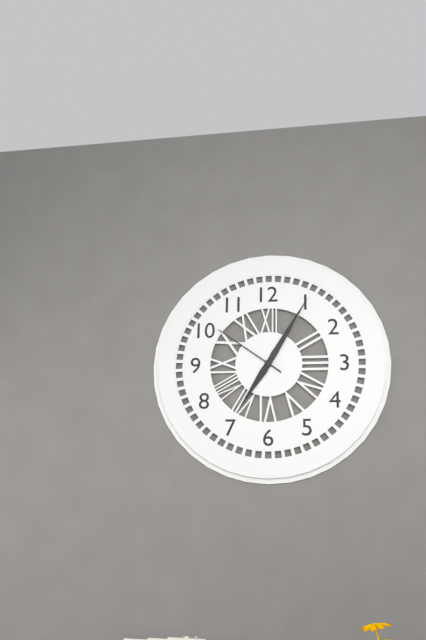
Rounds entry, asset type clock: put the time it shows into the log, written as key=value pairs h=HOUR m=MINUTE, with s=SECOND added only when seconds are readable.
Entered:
h=7 m=5 s=51
